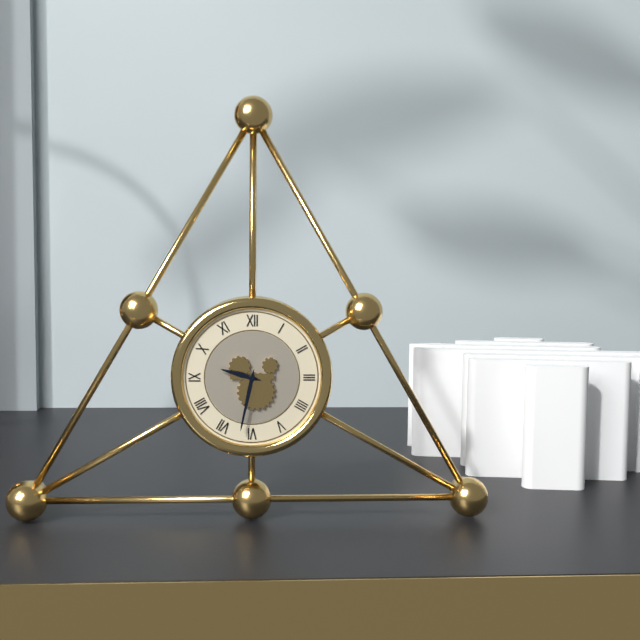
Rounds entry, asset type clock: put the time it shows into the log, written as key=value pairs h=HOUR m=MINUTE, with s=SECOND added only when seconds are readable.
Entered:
h=9 m=32
